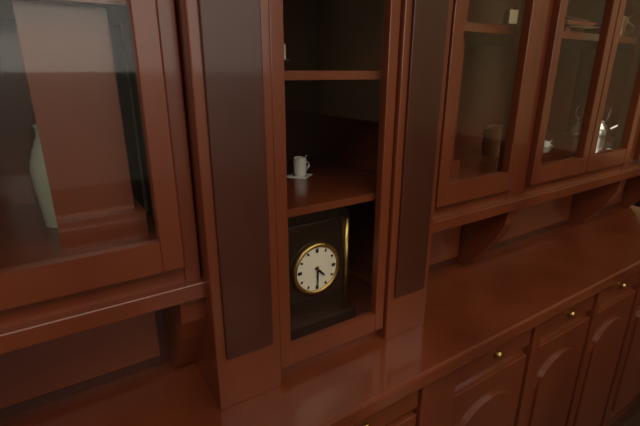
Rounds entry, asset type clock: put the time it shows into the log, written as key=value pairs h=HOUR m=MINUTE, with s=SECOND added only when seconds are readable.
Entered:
h=4 m=30
